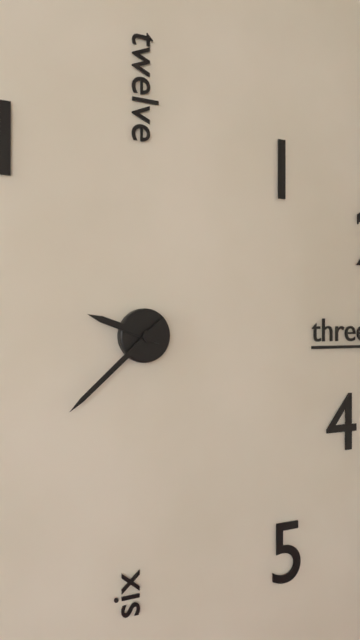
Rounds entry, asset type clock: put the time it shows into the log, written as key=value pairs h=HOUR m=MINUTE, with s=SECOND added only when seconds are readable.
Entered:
h=9 m=38
